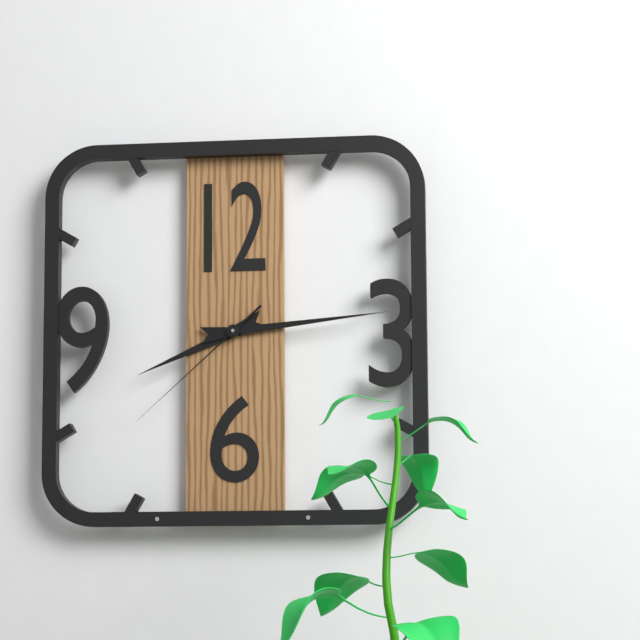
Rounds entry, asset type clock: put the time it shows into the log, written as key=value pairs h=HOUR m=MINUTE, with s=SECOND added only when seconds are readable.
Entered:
h=8 m=14 s=38
